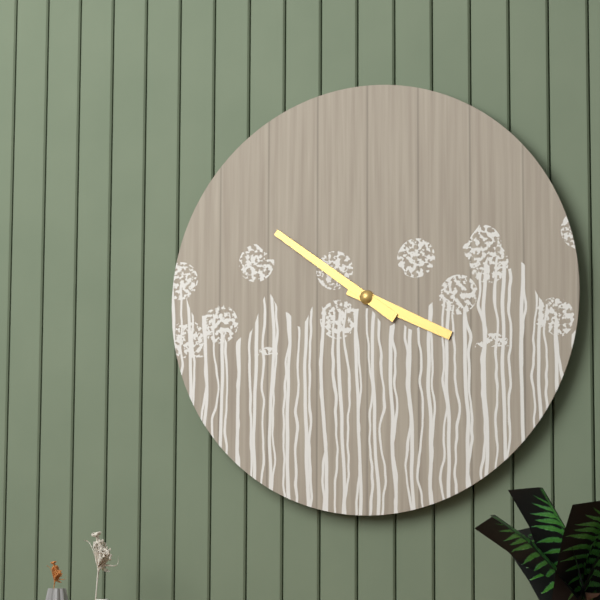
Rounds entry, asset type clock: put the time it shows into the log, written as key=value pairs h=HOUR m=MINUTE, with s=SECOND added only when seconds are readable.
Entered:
h=3 m=51
